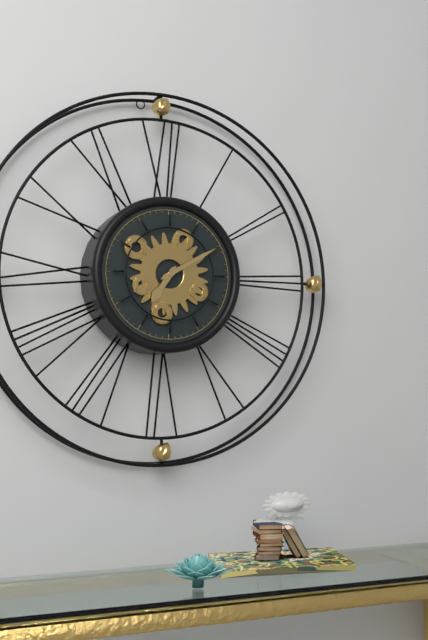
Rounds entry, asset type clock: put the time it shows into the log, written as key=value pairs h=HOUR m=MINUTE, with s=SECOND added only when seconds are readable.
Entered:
h=7 m=10
